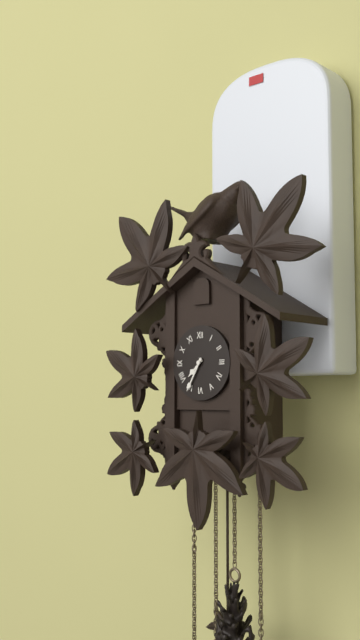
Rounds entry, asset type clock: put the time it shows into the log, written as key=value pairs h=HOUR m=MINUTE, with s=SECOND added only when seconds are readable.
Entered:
h=7 m=35
